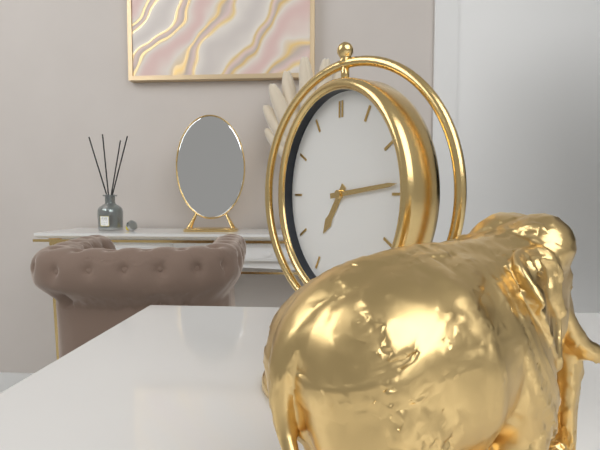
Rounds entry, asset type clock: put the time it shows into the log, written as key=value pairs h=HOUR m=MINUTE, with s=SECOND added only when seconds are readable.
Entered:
h=7 m=14
